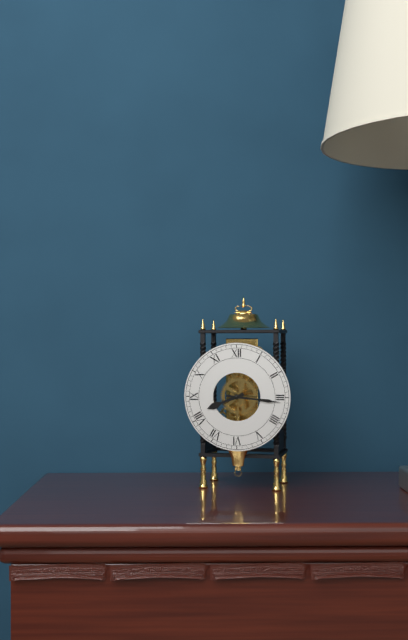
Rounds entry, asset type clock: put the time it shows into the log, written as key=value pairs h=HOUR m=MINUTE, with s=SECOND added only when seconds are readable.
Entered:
h=8 m=16
